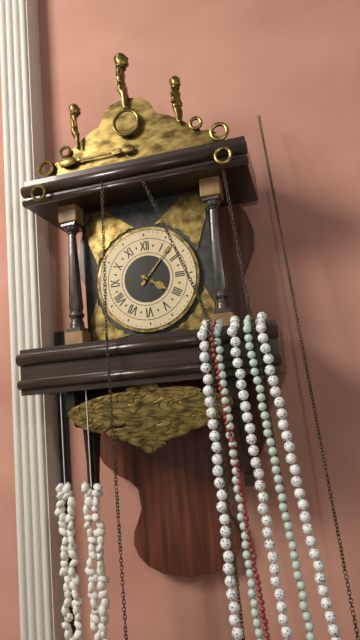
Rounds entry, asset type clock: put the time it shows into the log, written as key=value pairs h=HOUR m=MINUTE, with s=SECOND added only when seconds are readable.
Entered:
h=4 m=7
